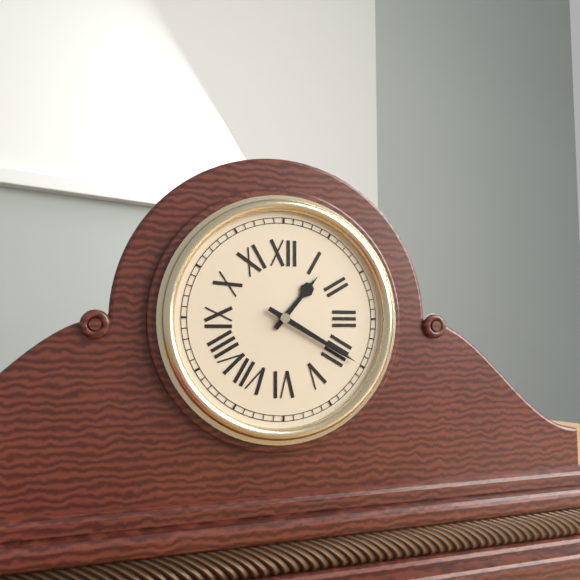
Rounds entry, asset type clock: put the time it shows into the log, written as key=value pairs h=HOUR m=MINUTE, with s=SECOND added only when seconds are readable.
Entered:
h=1 m=20
